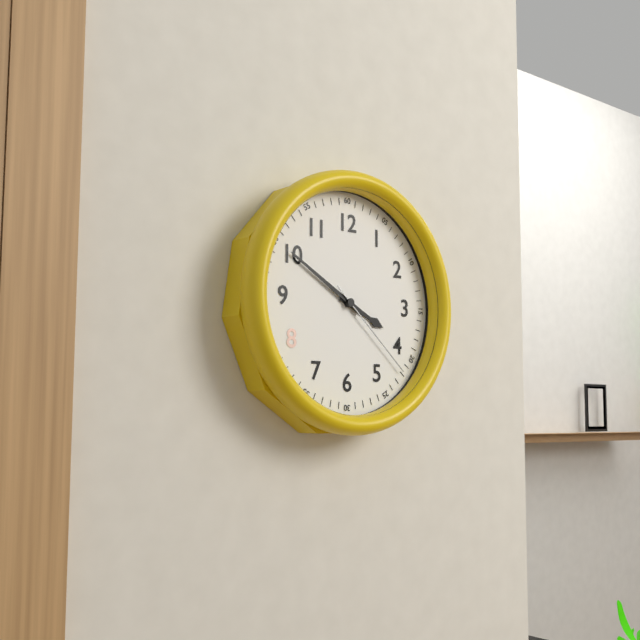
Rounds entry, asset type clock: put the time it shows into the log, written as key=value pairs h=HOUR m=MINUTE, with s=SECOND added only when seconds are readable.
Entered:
h=3 m=50 s=22
